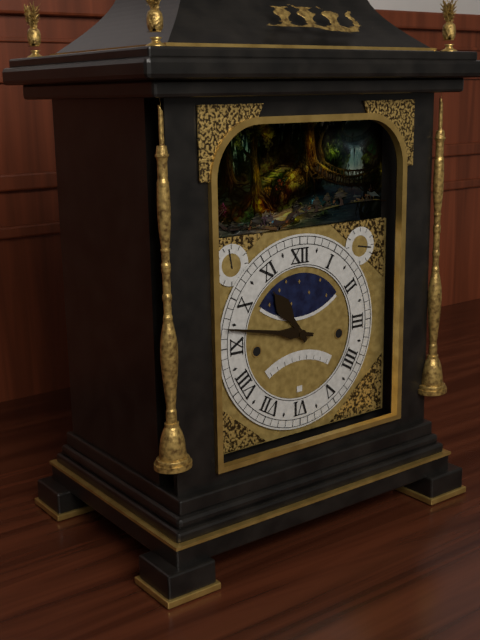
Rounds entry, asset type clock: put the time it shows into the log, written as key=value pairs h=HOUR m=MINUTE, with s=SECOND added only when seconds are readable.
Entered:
h=10 m=47
